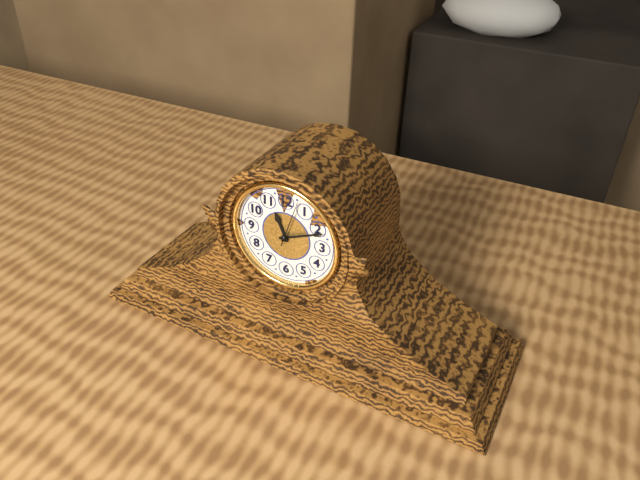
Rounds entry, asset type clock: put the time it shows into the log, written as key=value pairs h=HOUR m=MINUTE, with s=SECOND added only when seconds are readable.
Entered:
h=11 m=11
